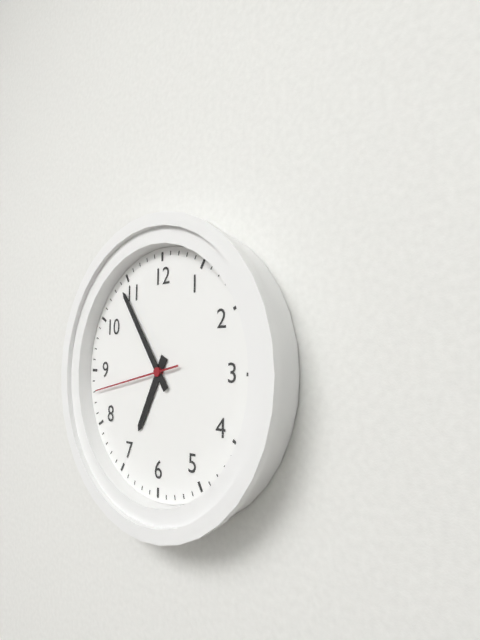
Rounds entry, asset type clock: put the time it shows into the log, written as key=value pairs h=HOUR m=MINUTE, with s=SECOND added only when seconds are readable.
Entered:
h=6 m=54 s=43
